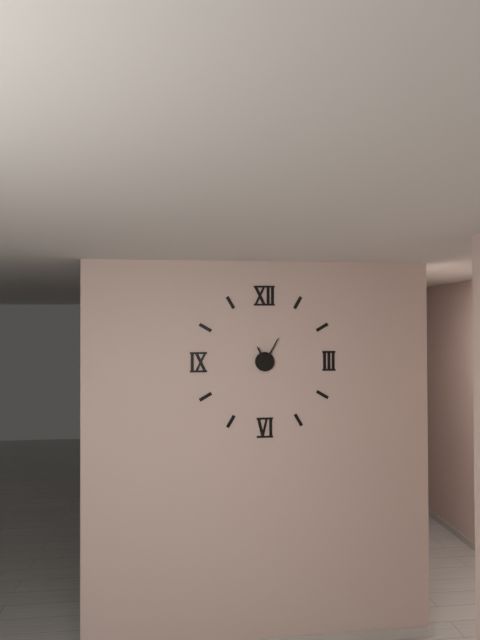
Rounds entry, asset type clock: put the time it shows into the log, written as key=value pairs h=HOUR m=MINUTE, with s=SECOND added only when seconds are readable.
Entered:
h=11 m=5
